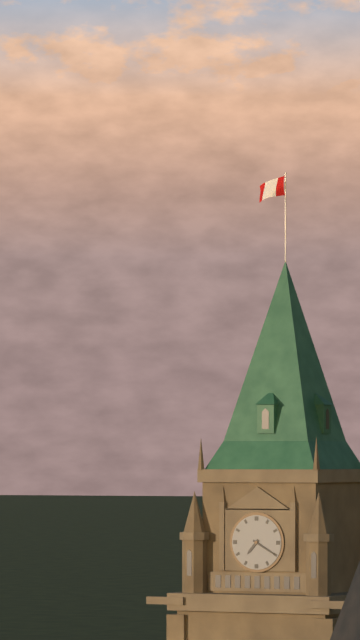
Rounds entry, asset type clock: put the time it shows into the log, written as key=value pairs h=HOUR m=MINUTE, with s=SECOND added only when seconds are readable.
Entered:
h=7 m=20
